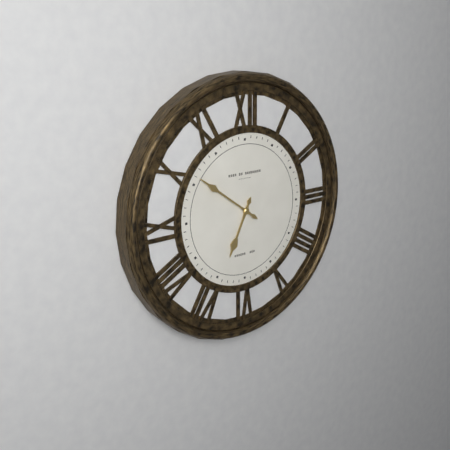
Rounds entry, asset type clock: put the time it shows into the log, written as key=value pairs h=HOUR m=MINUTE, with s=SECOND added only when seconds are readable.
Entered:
h=6 m=51
